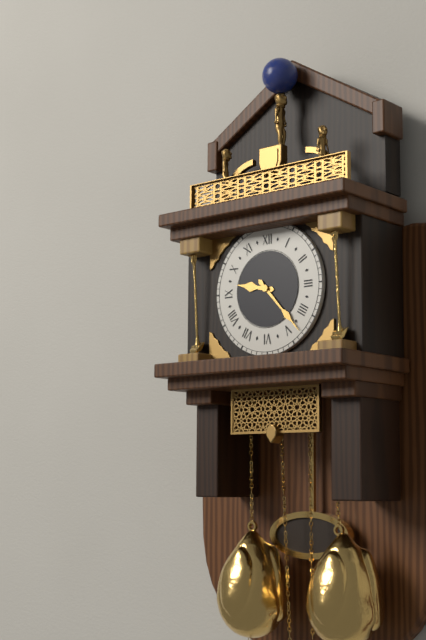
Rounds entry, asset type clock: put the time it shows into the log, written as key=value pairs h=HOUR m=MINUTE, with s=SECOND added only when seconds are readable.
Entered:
h=9 m=23
